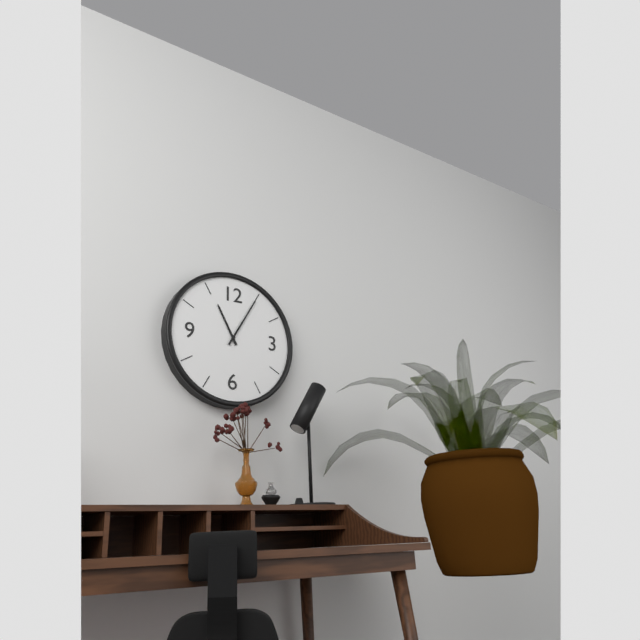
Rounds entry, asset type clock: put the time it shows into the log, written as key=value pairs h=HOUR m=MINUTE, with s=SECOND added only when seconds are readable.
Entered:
h=11 m=5
